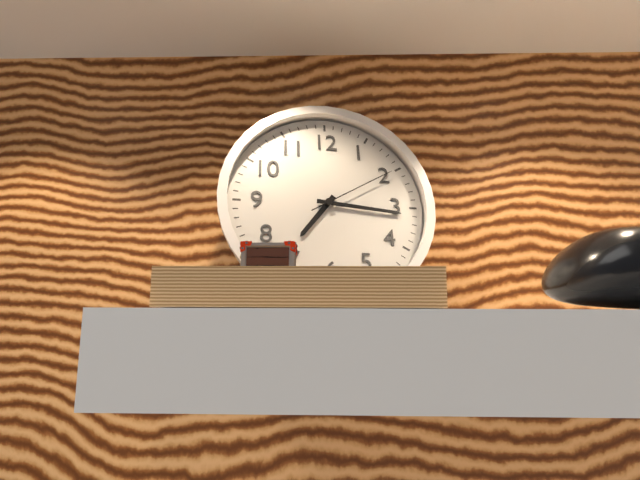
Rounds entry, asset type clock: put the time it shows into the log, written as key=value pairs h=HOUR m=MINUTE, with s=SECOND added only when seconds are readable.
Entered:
h=7 m=16 s=10
